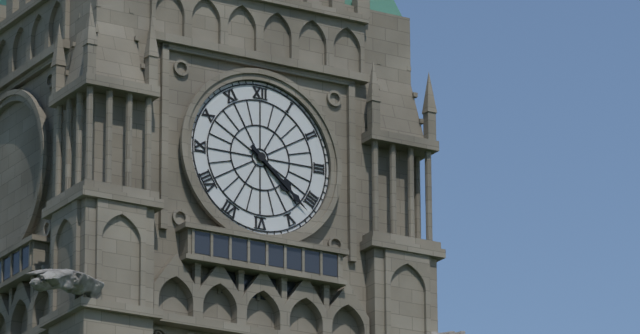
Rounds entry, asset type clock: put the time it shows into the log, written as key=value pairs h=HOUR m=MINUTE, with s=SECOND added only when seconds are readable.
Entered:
h=4 m=22
